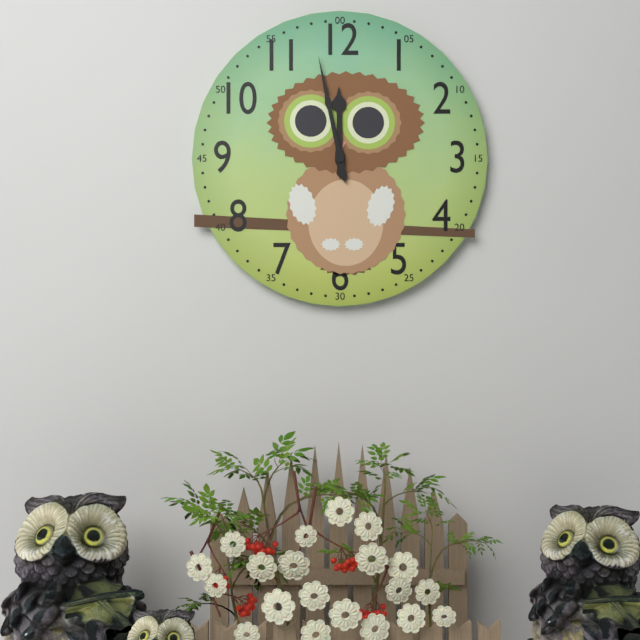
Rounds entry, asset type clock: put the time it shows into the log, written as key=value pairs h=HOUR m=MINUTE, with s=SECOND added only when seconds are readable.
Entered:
h=11 m=58
